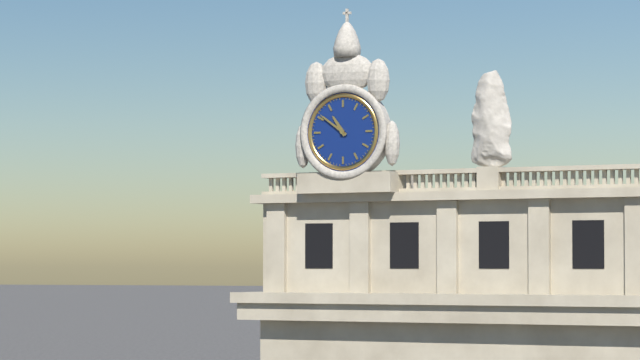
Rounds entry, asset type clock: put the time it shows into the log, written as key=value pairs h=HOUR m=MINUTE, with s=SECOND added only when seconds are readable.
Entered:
h=10 m=51
